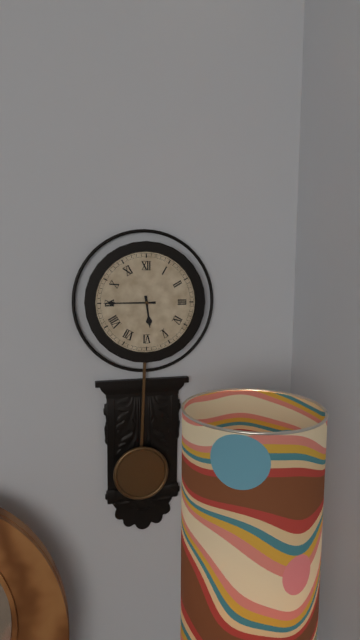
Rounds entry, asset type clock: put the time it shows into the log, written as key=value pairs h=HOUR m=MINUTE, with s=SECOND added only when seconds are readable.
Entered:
h=5 m=45
